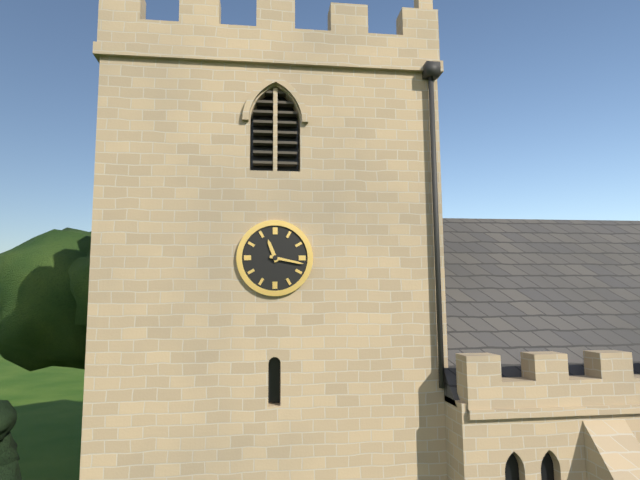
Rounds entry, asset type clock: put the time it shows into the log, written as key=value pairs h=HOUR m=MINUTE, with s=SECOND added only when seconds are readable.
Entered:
h=11 m=17
